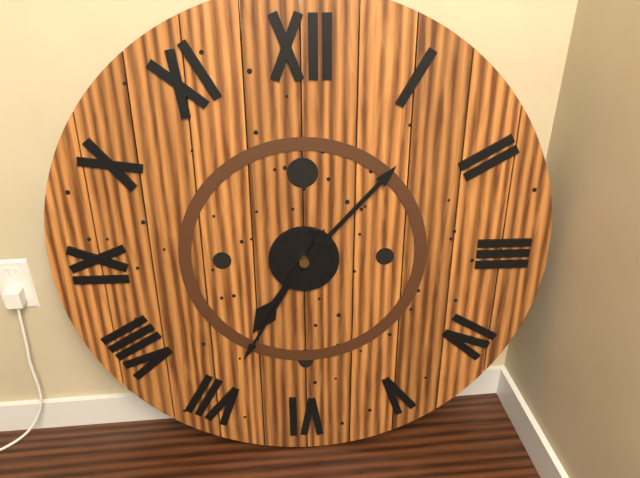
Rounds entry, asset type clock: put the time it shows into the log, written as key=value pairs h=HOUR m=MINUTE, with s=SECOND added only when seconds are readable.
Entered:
h=7 m=7 s=35
